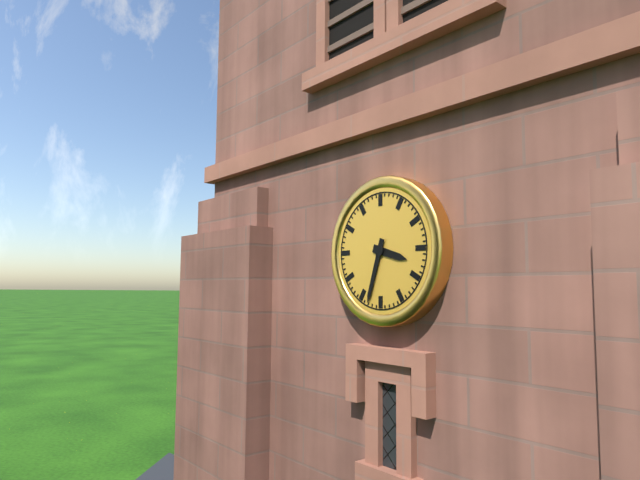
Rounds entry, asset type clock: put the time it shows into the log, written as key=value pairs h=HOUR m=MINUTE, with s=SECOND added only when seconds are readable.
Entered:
h=3 m=33
